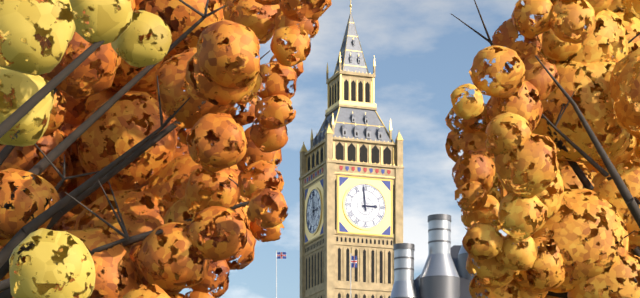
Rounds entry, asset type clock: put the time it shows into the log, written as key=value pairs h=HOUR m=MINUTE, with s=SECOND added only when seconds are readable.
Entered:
h=2 m=59
